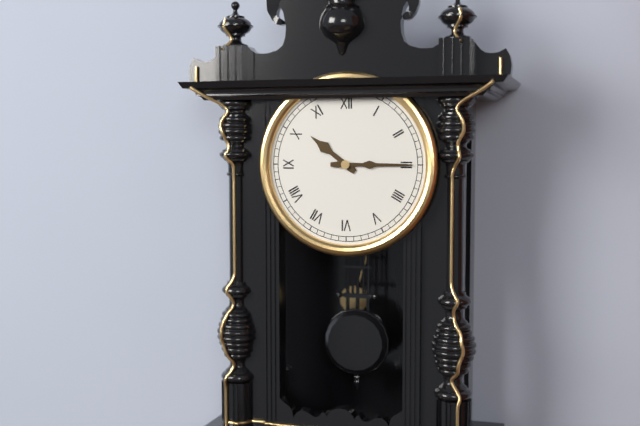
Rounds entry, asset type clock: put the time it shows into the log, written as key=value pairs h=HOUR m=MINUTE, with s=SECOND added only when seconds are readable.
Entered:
h=10 m=15
